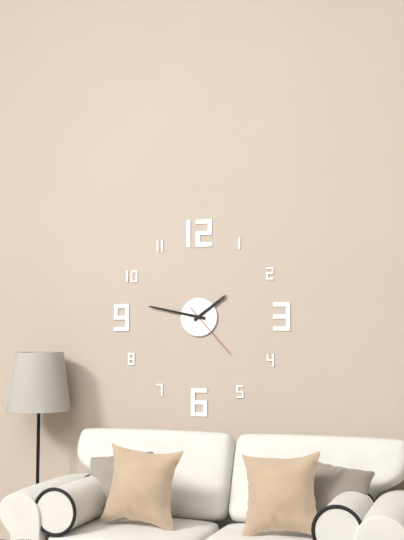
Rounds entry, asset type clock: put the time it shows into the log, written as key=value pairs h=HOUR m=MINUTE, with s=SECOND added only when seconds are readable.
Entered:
h=1 m=47 s=23
